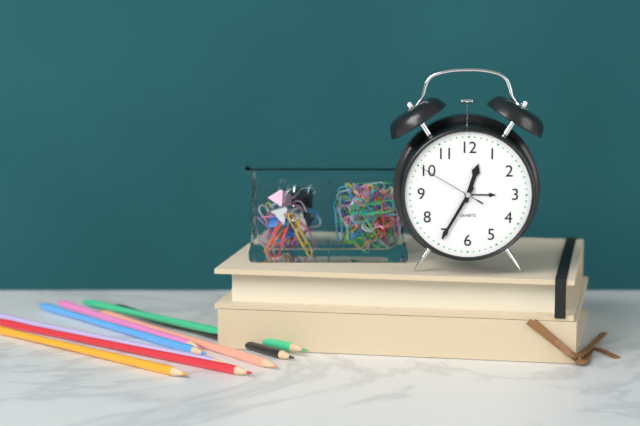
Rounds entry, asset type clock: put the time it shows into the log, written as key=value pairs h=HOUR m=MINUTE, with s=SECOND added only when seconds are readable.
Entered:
h=12 m=35 s=50
